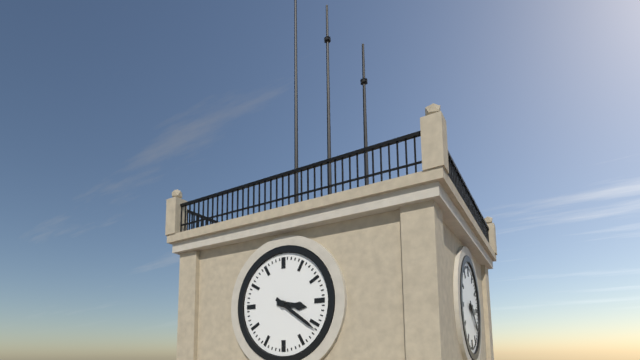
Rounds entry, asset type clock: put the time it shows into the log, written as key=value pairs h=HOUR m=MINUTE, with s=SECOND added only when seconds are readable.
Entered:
h=3 m=21
